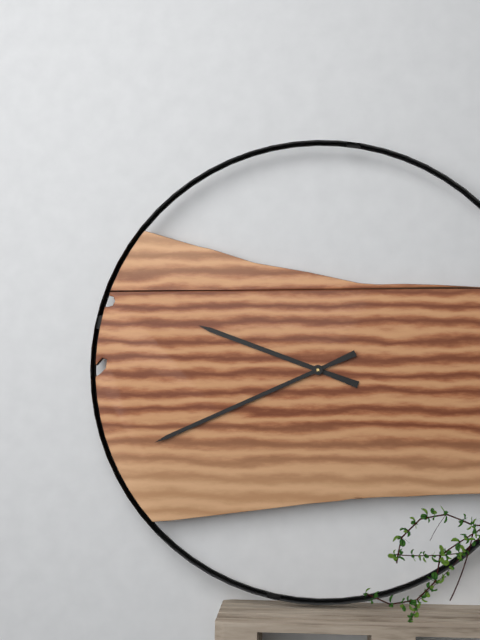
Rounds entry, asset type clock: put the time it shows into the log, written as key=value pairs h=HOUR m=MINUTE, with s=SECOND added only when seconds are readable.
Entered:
h=9 m=41
